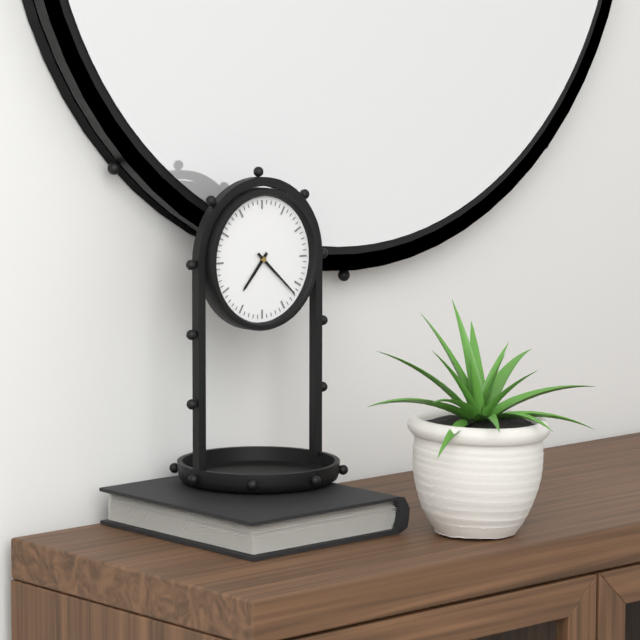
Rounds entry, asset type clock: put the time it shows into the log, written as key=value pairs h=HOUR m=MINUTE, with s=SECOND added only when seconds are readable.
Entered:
h=7 m=22
